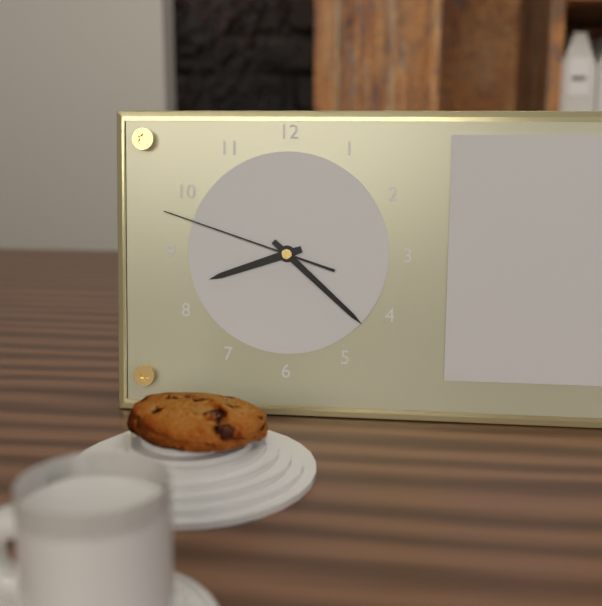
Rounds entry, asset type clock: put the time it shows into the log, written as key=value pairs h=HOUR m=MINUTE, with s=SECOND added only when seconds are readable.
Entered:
h=8 m=22 s=48
